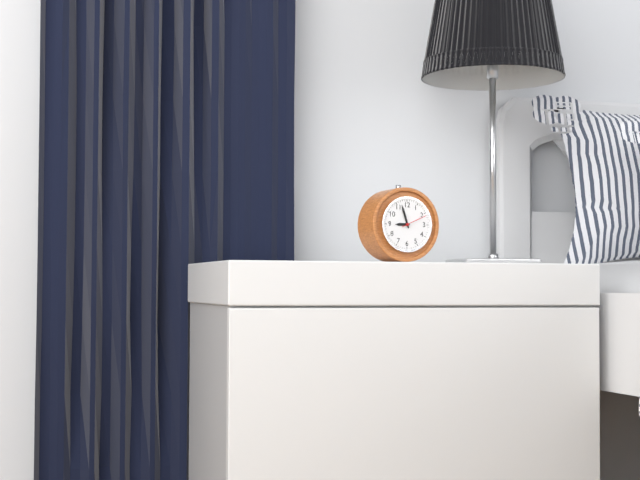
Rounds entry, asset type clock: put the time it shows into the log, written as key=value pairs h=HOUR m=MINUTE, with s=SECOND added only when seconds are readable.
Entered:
h=8 m=57
